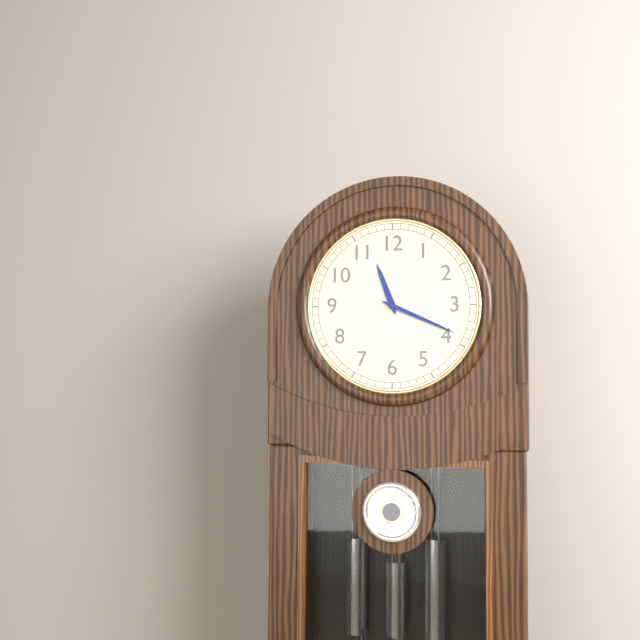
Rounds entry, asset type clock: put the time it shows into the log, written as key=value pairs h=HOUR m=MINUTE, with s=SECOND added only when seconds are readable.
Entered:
h=11 m=19
